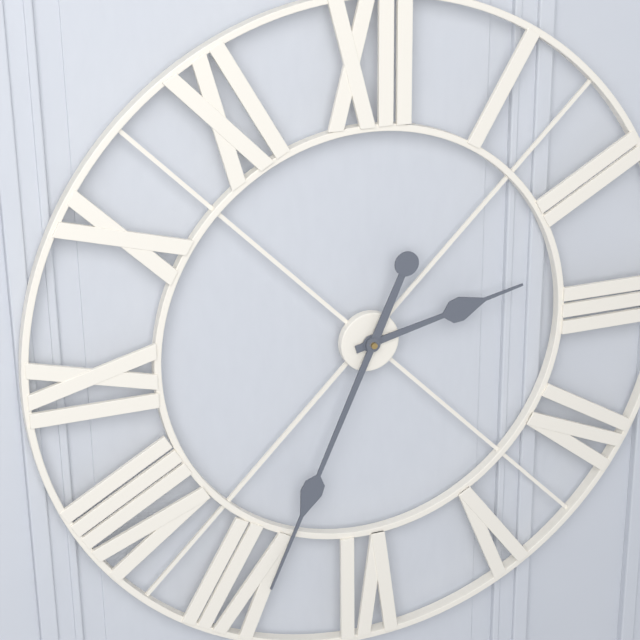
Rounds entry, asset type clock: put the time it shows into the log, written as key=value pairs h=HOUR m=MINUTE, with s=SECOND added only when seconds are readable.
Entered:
h=2 m=34
